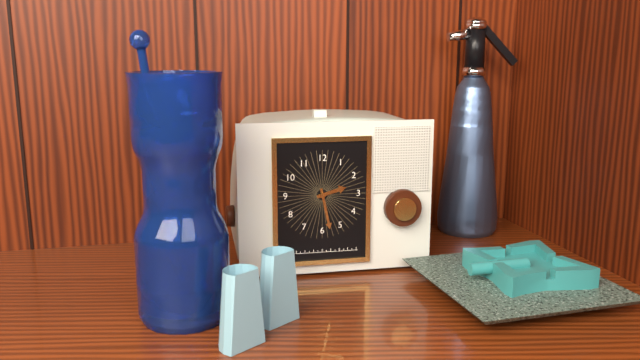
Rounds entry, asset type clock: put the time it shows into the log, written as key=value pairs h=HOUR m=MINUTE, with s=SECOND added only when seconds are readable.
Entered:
h=2 m=28
